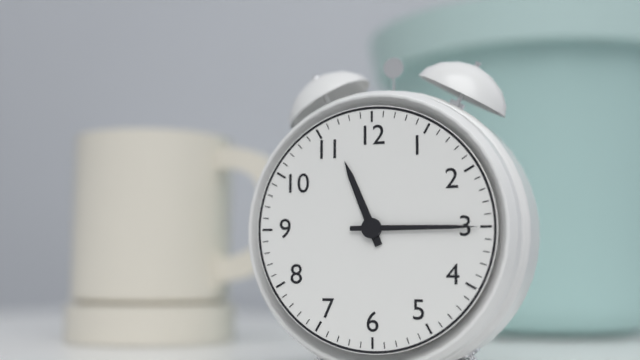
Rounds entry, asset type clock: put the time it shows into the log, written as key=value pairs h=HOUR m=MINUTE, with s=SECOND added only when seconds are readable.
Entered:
h=11 m=15
